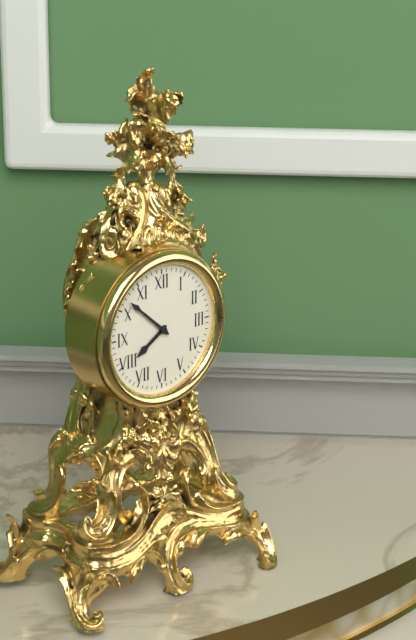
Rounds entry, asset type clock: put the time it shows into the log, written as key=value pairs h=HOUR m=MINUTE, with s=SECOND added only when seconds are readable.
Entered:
h=7 m=52
